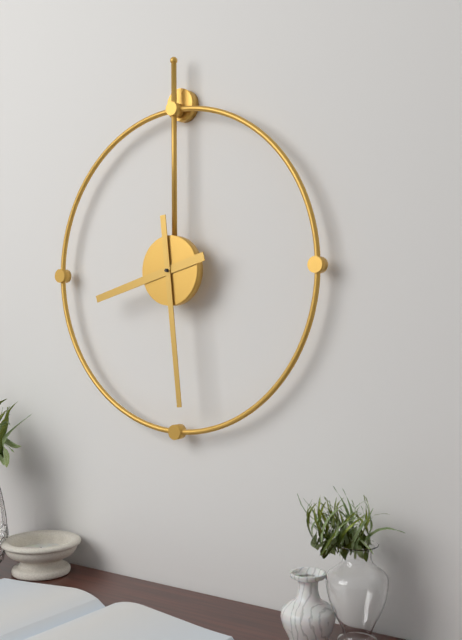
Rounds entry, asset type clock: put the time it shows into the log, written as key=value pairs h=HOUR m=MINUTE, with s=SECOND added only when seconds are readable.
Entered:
h=8 m=29
